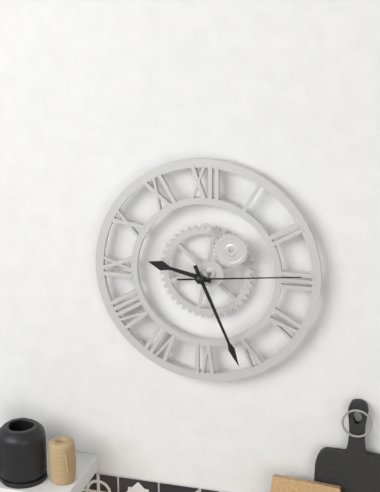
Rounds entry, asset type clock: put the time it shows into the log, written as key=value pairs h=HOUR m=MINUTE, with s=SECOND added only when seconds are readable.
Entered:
h=9 m=26 s=14
